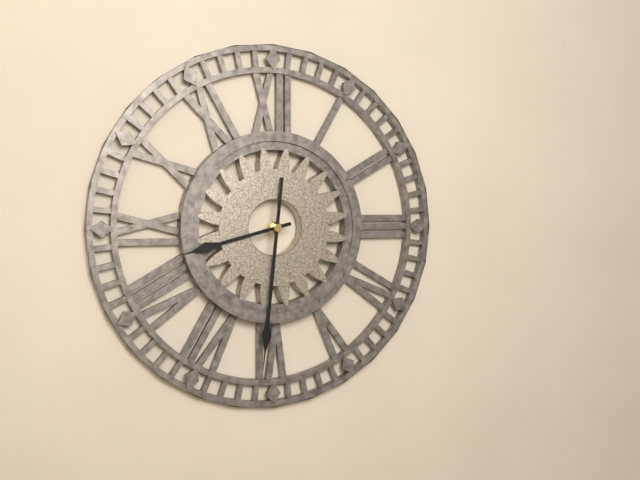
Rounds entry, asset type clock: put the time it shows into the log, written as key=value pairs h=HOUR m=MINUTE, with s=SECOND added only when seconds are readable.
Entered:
h=8 m=31
